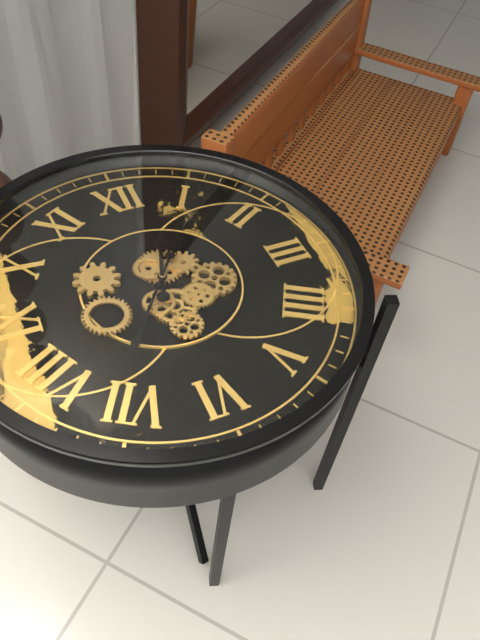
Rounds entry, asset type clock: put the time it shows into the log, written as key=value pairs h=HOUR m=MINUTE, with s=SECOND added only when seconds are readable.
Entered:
h=12 m=36
